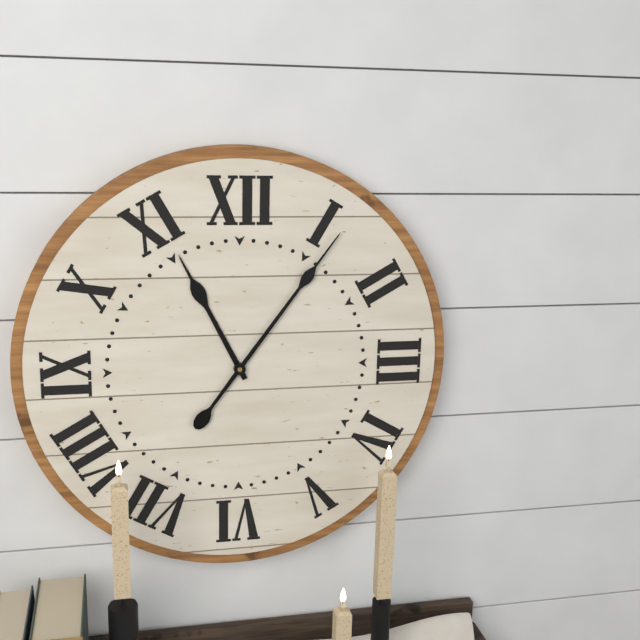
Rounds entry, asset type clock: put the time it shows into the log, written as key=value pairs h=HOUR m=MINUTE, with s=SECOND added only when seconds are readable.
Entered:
h=11 m=6
